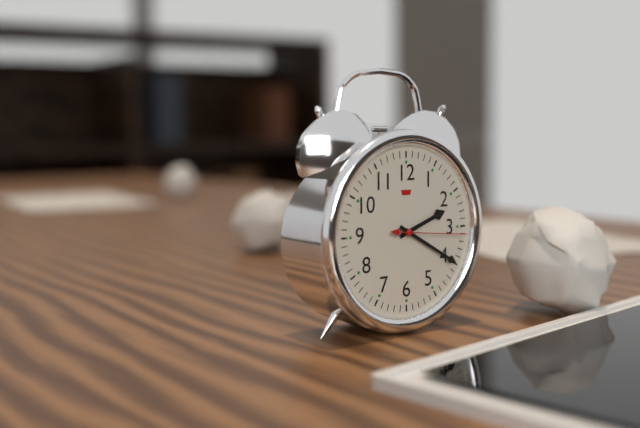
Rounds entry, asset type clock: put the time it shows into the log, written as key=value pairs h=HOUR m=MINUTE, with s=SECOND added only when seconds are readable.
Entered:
h=2 m=20 s=16
